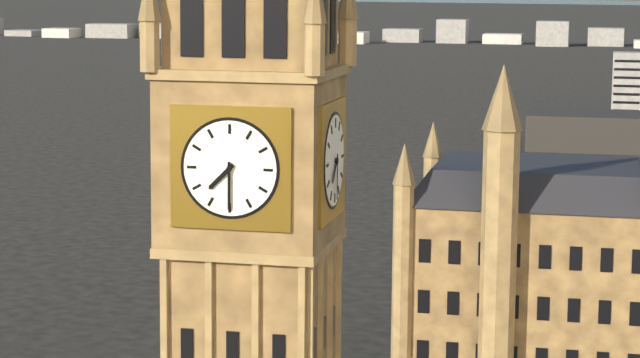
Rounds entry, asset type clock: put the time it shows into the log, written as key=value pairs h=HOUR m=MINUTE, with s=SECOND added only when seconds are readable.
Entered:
h=7 m=30
